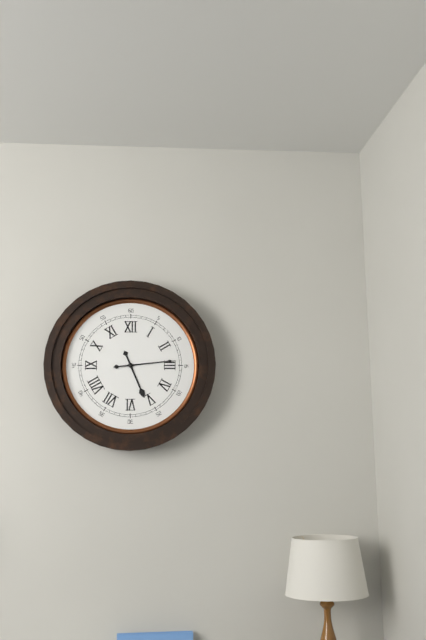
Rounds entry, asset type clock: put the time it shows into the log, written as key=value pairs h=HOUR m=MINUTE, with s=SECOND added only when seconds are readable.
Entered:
h=5 m=14
